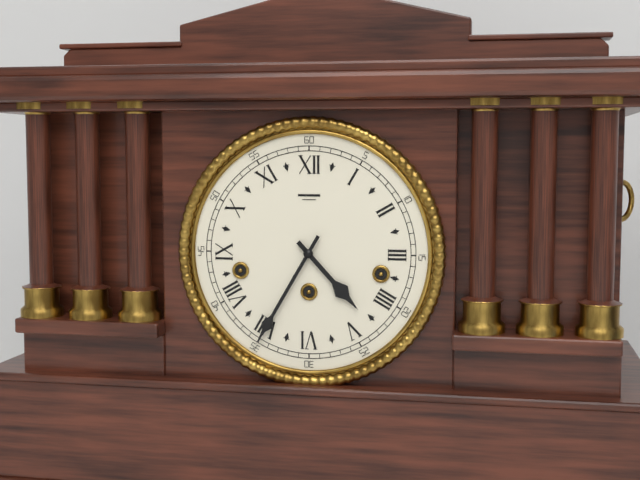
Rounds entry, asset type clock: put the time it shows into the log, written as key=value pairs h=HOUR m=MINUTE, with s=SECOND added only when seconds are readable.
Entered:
h=4 m=35
